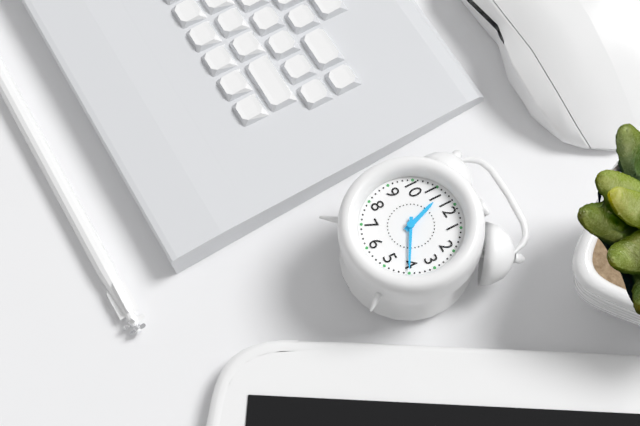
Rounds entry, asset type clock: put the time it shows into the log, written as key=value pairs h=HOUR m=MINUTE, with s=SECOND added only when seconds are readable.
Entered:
h=11 m=20
